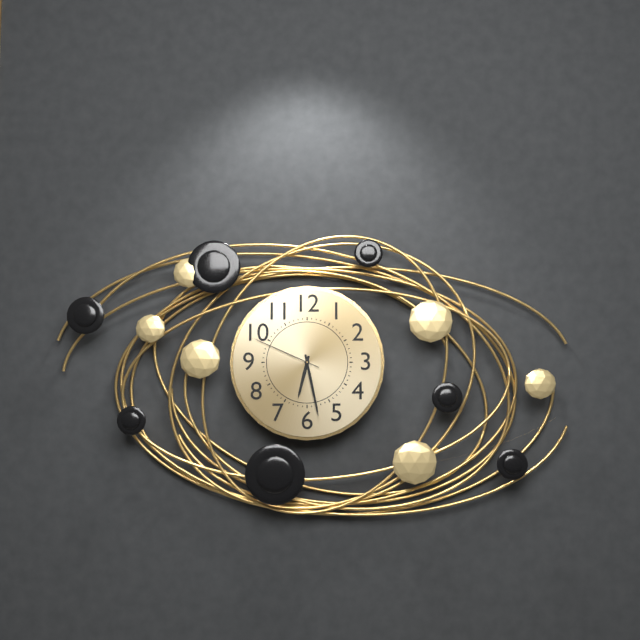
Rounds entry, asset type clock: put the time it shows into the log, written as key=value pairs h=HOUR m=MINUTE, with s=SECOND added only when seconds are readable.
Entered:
h=6 m=28 s=49
